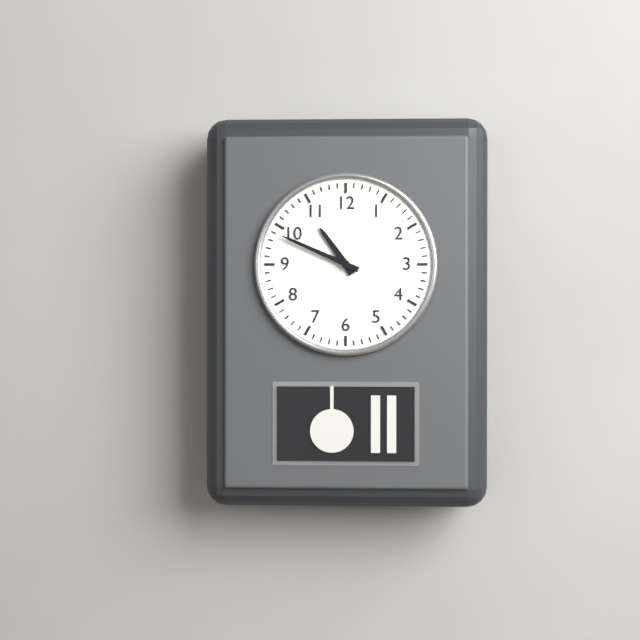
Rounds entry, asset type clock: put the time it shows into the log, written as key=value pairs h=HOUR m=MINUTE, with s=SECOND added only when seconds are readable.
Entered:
h=10 m=49
